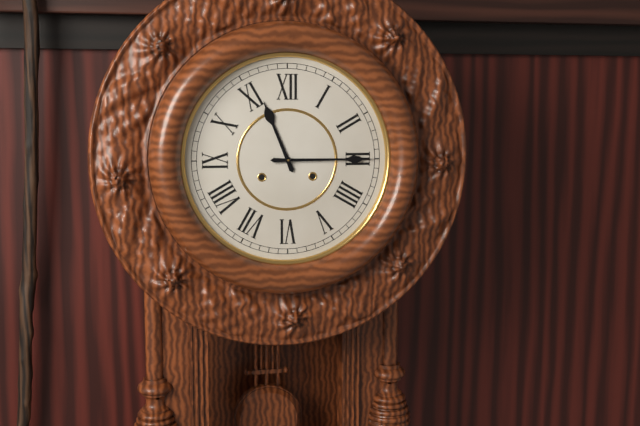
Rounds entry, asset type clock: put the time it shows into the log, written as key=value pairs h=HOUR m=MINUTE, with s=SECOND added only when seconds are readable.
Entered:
h=11 m=15
